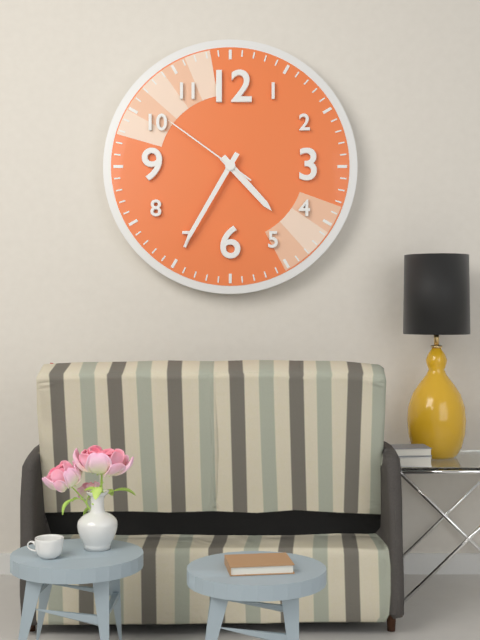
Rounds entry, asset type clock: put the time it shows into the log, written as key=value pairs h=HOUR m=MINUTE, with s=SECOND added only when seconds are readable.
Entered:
h=4 m=35 s=51
